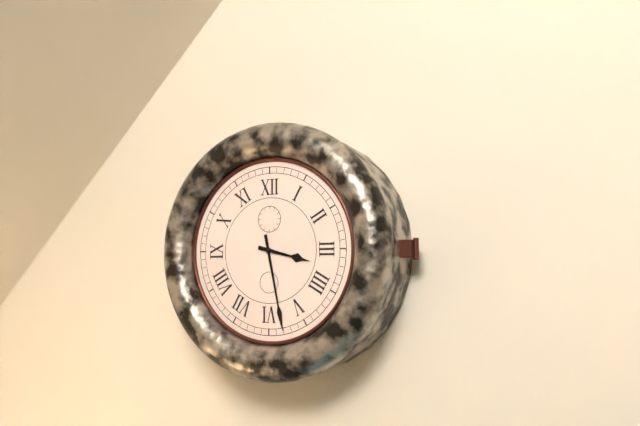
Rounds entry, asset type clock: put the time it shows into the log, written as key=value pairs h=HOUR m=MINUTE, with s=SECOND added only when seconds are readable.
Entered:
h=3 m=28
